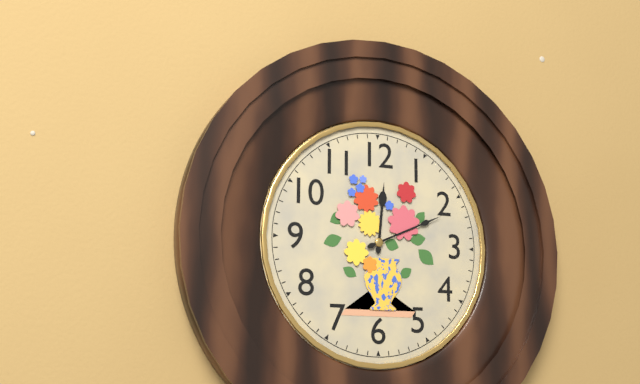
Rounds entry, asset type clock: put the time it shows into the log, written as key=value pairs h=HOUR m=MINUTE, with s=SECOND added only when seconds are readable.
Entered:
h=12 m=11
